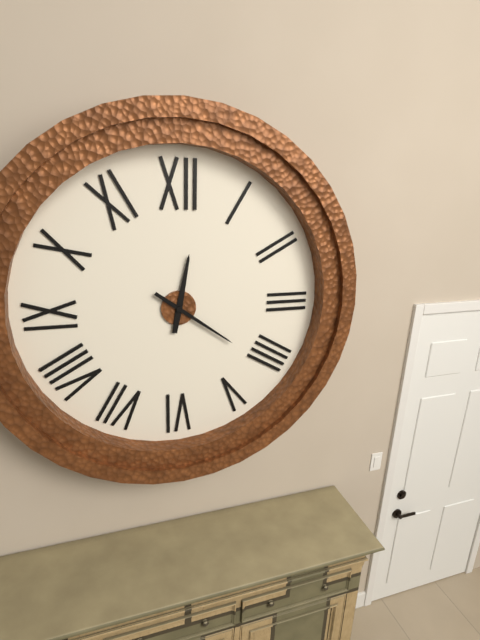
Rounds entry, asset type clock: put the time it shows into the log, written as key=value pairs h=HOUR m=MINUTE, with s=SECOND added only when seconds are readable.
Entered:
h=12 m=21
